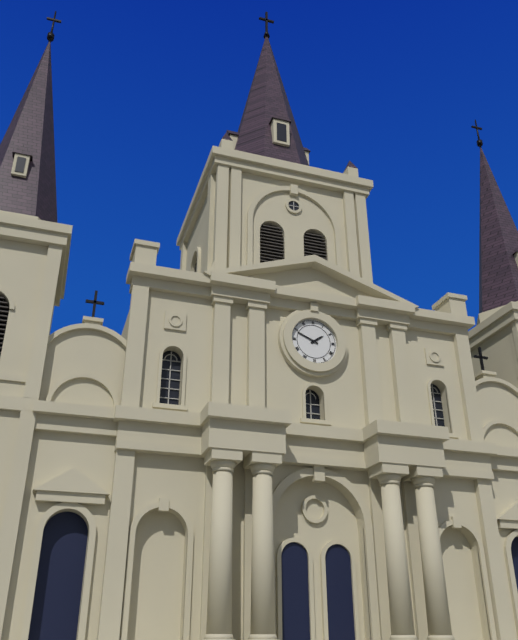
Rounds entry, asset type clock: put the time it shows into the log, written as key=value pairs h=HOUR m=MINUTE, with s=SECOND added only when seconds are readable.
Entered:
h=1 m=49
